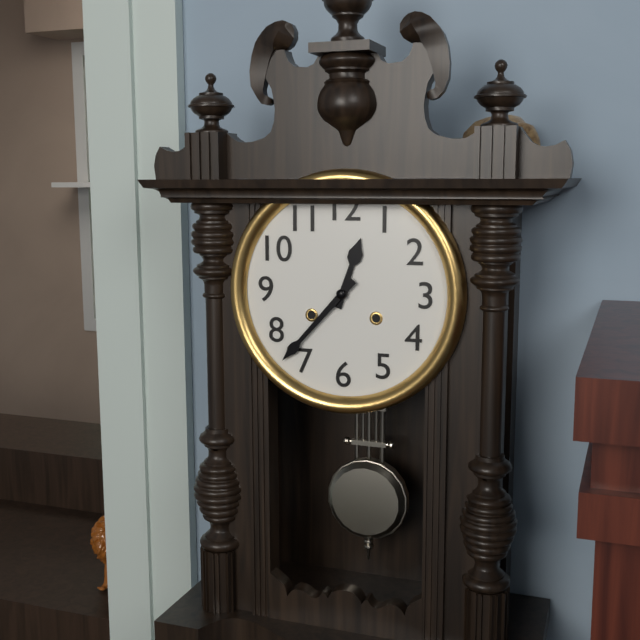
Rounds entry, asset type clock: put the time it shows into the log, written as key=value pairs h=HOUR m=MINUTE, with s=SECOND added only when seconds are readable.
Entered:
h=12 m=37
